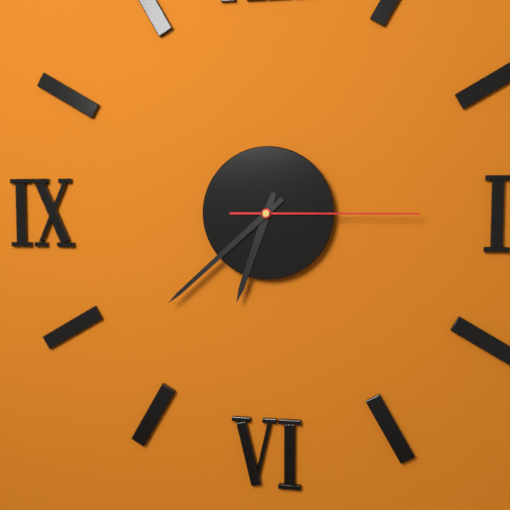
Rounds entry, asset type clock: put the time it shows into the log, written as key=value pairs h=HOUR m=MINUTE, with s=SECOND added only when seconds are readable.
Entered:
h=6 m=38 s=15
